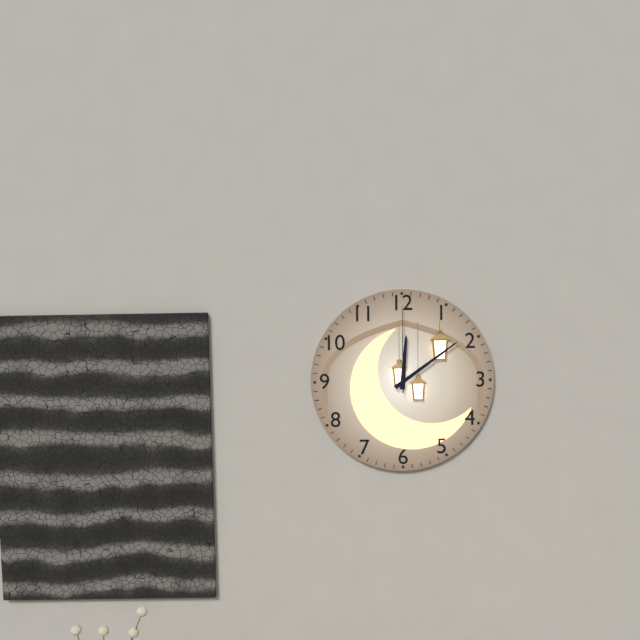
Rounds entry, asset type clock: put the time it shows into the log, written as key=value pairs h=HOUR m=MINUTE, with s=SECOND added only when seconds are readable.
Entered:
h=12 m=9 s=0
